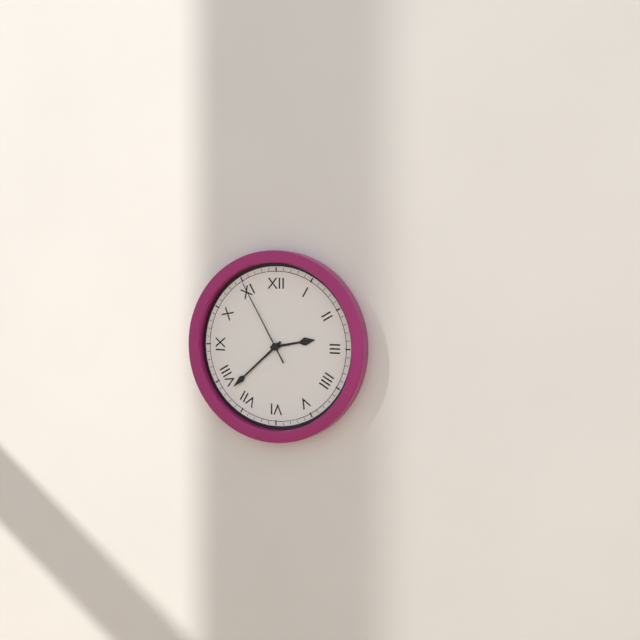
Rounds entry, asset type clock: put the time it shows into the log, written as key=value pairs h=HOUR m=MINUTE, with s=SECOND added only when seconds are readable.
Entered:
h=2 m=38 s=55
